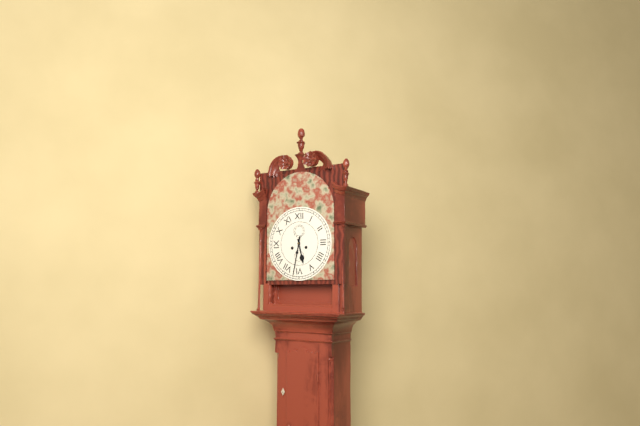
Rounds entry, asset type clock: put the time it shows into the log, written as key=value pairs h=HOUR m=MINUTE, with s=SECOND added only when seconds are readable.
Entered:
h=5 m=32
